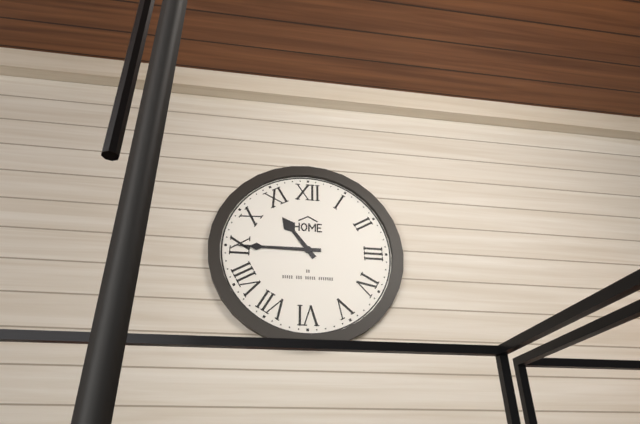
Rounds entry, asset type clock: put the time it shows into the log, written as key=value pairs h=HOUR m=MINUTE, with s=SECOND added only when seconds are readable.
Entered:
h=10 m=45
